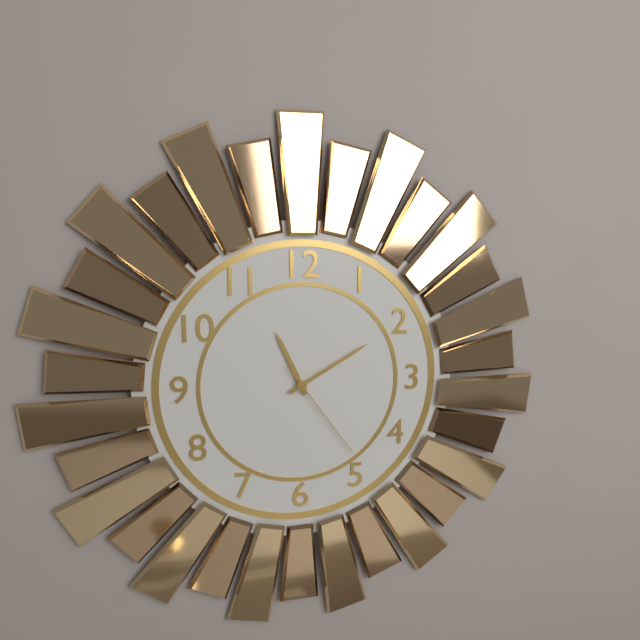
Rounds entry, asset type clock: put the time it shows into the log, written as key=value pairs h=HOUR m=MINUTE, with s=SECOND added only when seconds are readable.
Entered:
h=11 m=10 s=24
